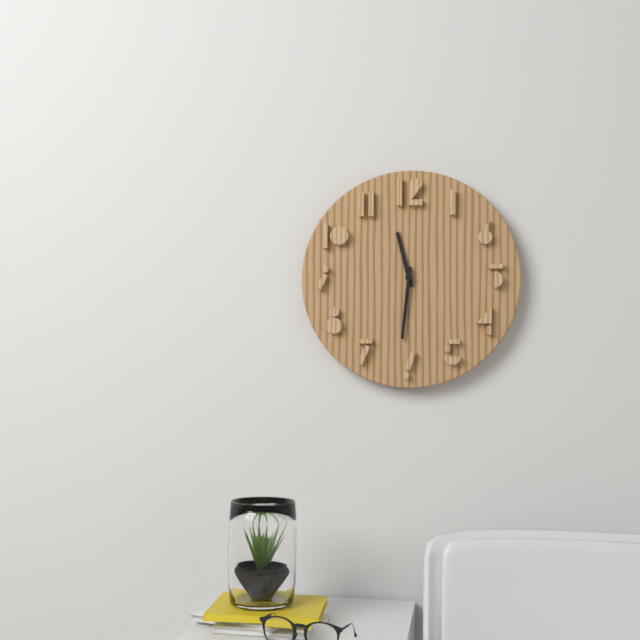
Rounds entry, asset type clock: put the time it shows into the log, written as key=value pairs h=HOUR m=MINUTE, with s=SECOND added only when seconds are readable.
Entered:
h=11 m=31
